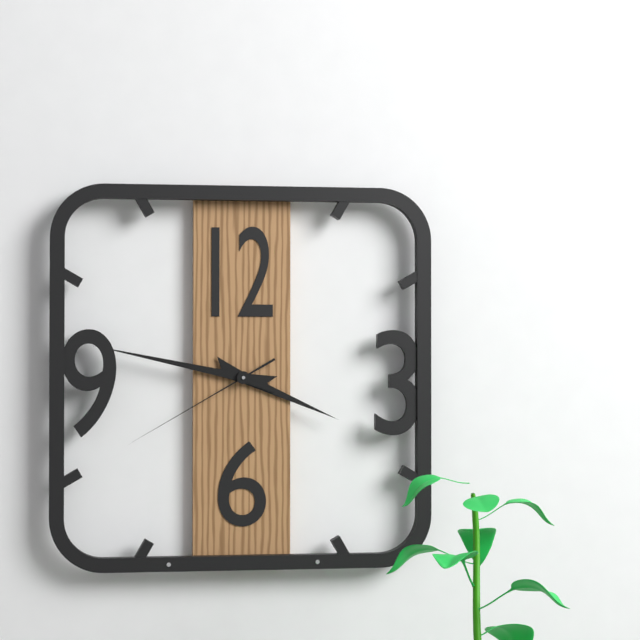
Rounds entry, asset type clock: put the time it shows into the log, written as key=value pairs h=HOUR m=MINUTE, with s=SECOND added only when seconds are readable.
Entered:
h=3 m=47 s=40
